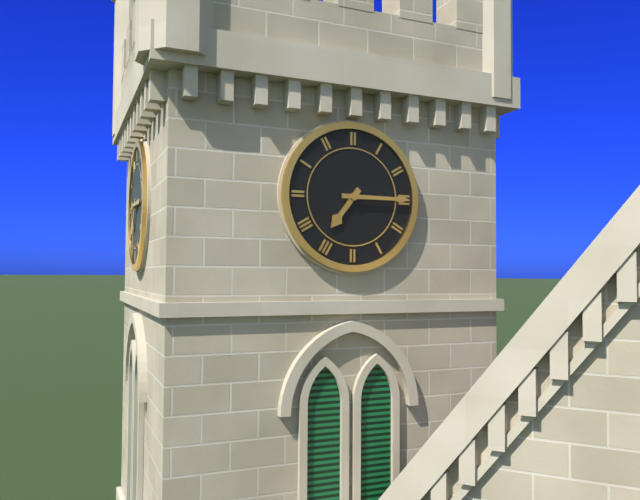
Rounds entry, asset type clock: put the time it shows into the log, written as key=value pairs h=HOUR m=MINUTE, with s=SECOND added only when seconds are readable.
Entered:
h=7 m=15
